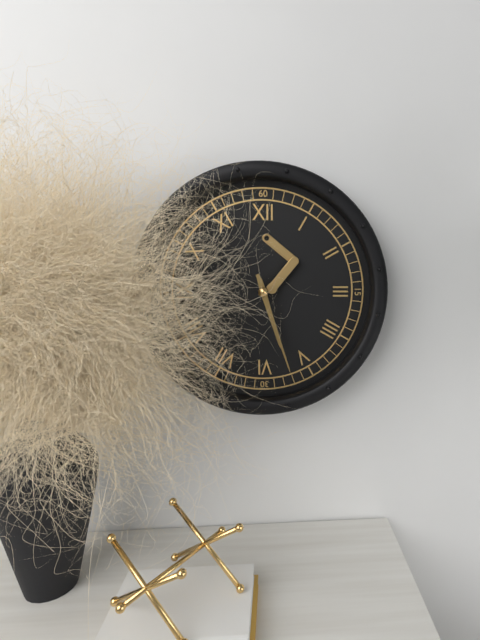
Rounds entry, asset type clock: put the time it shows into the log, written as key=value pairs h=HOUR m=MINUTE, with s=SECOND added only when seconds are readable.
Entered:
h=5 m=27
